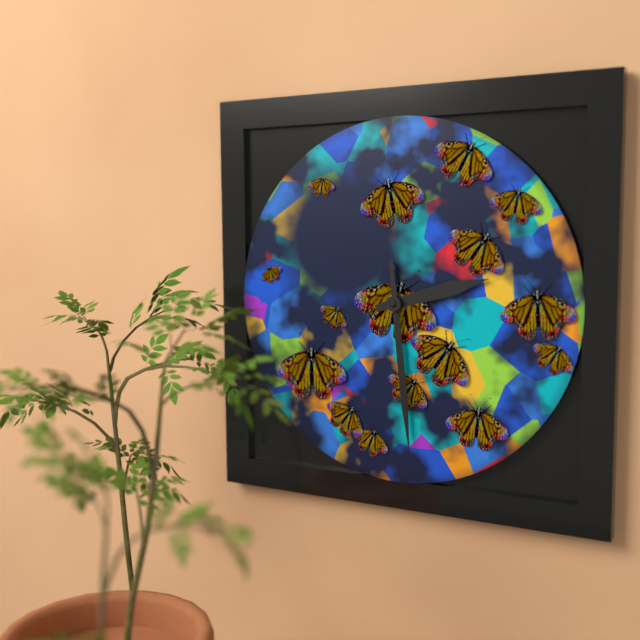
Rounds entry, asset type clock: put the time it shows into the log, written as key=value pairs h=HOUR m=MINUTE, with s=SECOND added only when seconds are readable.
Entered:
h=2 m=29
